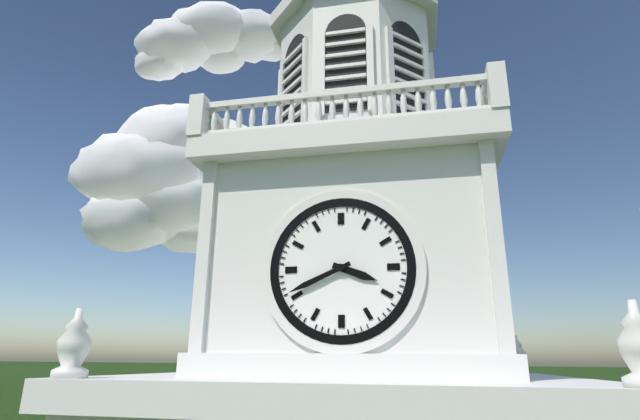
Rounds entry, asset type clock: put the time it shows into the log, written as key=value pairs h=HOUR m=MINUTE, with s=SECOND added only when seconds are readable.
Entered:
h=3 m=41
